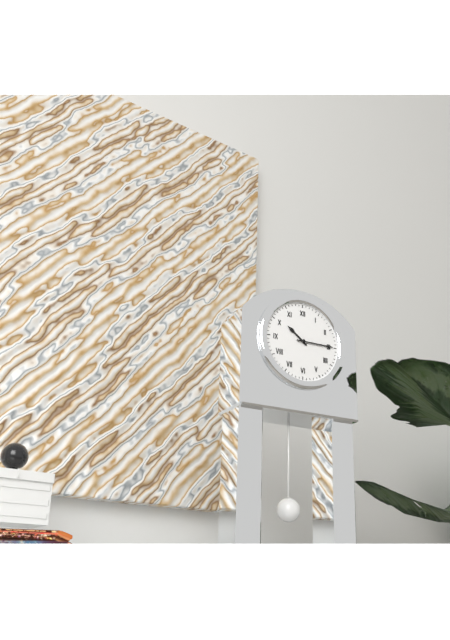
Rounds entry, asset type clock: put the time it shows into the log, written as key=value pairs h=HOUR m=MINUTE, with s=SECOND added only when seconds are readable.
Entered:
h=10 m=15
